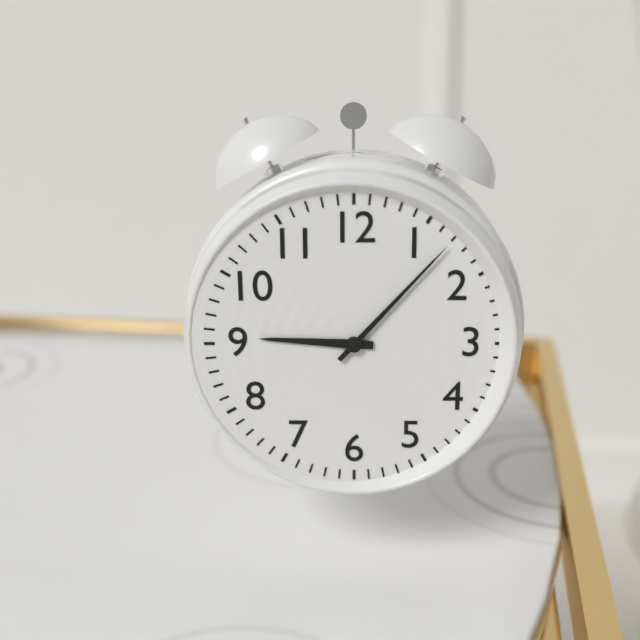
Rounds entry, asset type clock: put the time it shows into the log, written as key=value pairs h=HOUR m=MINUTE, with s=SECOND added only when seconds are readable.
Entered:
h=9 m=7
